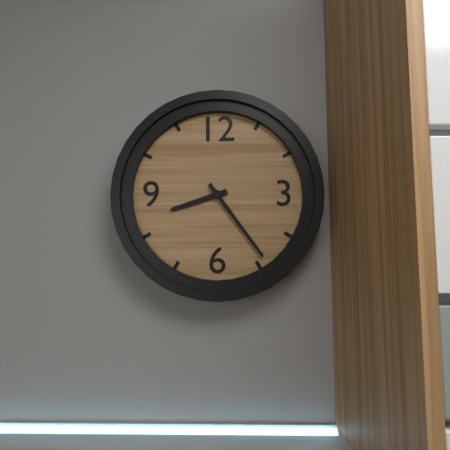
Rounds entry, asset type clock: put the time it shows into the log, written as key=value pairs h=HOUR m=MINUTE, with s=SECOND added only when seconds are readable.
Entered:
h=8 m=24
